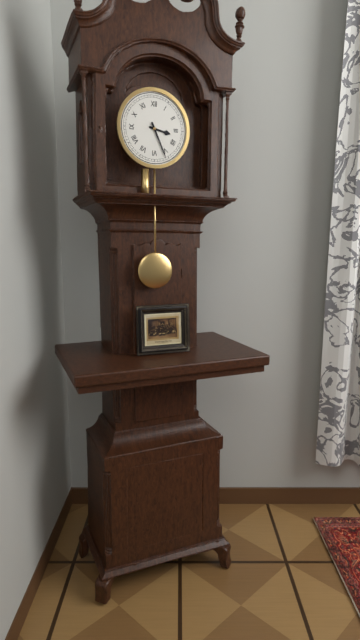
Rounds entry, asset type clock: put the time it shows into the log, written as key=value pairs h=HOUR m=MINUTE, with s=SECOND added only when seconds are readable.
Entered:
h=3 m=26
